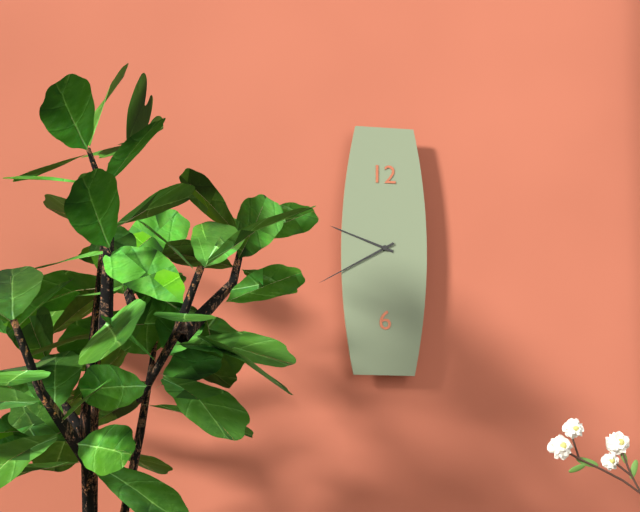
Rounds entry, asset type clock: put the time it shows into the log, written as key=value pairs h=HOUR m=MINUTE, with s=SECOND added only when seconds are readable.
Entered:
h=9 m=40
